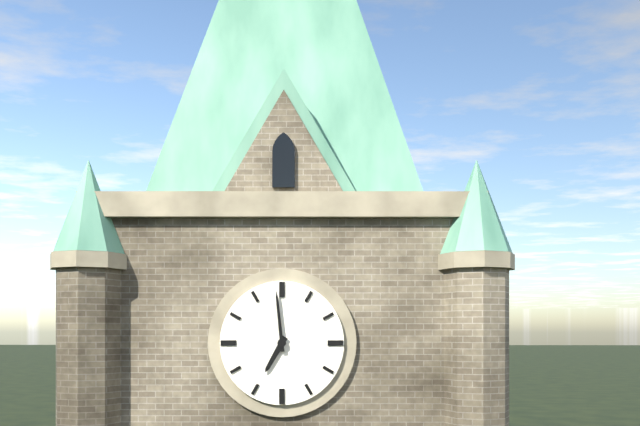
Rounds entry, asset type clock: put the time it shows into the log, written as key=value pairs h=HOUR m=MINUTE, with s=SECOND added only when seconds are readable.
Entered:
h=6 m=59
